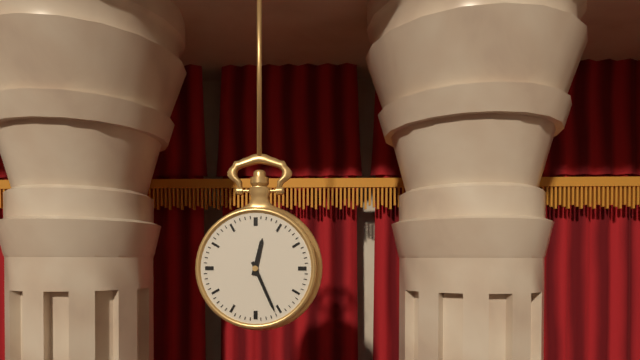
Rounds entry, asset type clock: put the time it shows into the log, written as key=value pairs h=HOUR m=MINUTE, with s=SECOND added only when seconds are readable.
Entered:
h=12 m=26
